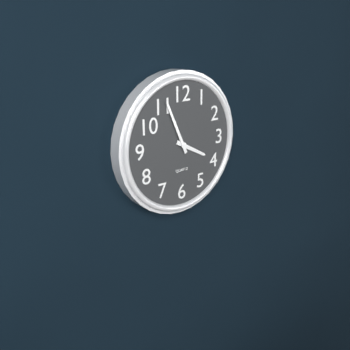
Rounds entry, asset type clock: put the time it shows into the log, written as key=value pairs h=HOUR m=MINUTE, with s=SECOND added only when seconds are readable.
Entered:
h=3 m=56
